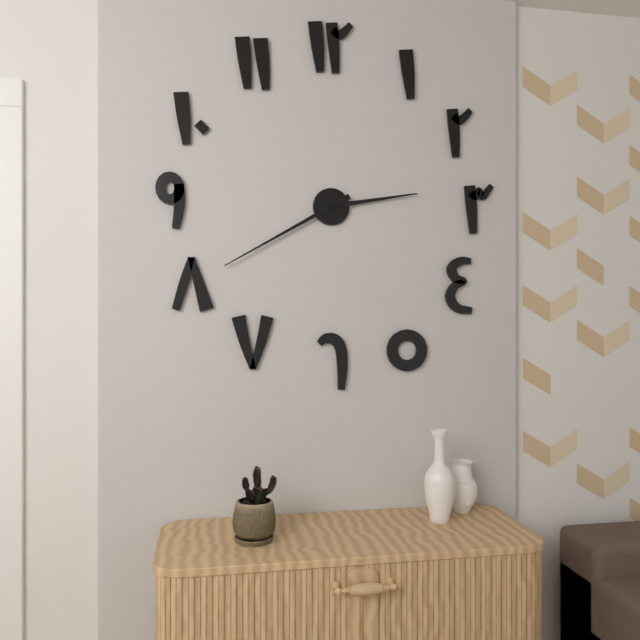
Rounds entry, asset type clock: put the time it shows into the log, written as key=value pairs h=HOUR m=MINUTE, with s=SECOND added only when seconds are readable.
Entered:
h=2 m=40
